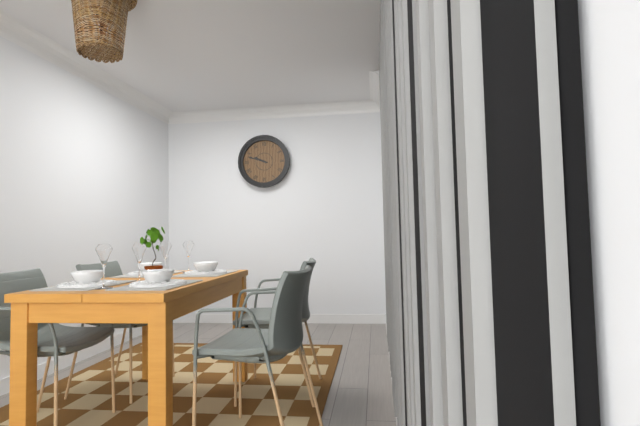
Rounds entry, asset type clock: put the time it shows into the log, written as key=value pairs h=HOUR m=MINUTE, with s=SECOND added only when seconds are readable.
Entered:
h=9 m=48
